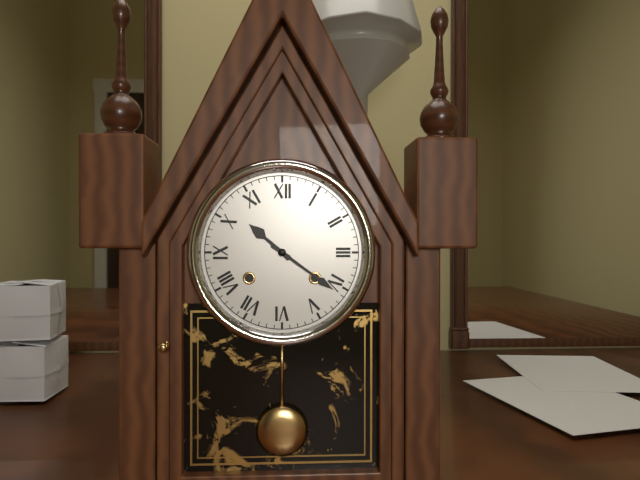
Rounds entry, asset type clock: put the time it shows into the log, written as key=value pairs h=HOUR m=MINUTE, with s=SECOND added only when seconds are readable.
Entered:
h=10 m=21
